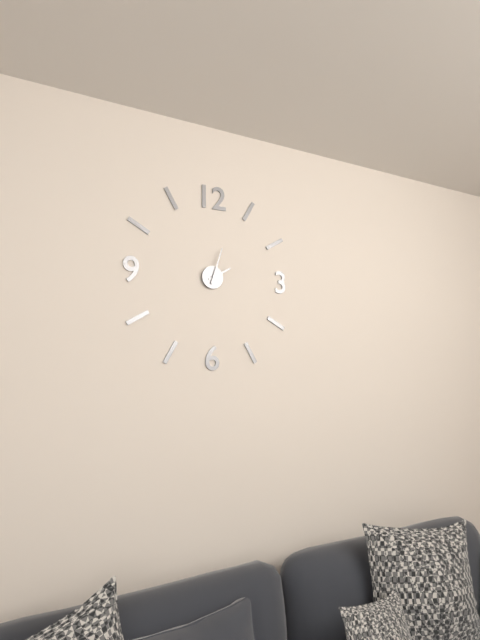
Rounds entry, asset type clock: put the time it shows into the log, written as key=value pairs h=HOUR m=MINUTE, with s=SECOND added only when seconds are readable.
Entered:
h=2 m=3
